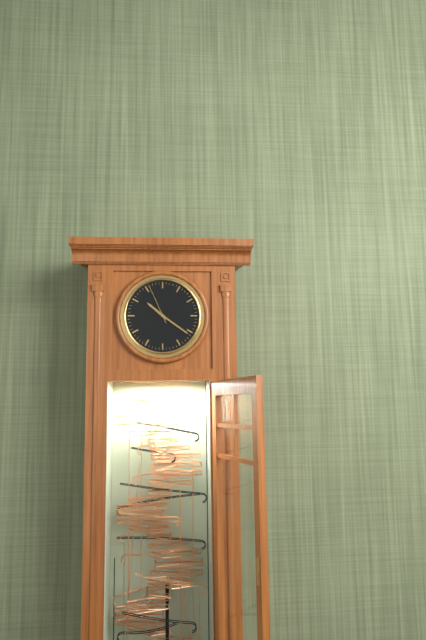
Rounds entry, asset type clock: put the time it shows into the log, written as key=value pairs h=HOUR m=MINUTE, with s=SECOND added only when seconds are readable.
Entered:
h=10 m=21
